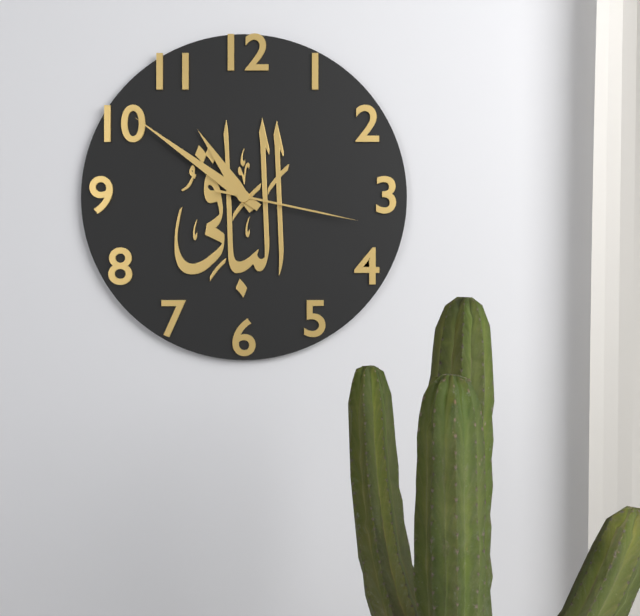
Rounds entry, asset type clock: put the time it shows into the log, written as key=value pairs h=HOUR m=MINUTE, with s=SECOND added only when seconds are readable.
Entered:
h=10 m=51 s=17
